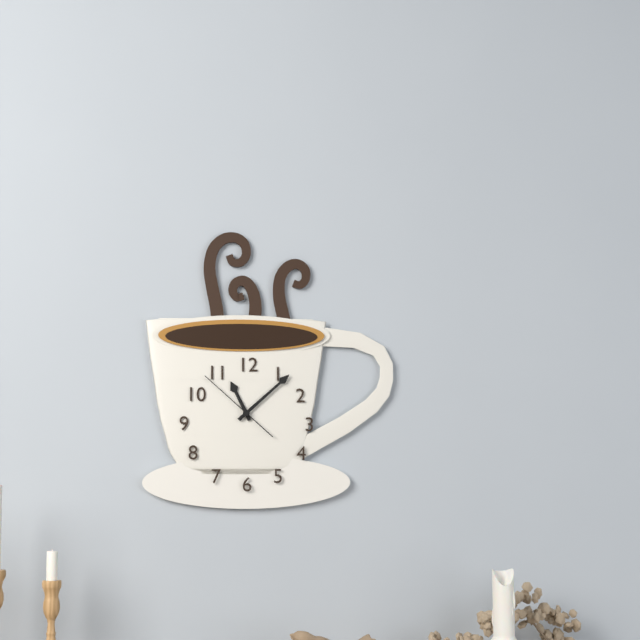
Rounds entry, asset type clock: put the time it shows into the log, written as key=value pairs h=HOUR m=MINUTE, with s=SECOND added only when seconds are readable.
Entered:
h=11 m=8 s=52
